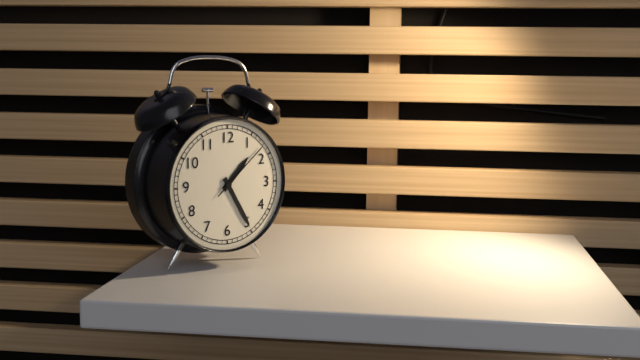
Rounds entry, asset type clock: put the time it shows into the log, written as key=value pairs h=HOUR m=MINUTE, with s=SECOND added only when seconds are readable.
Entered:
h=1 m=25 s=8
